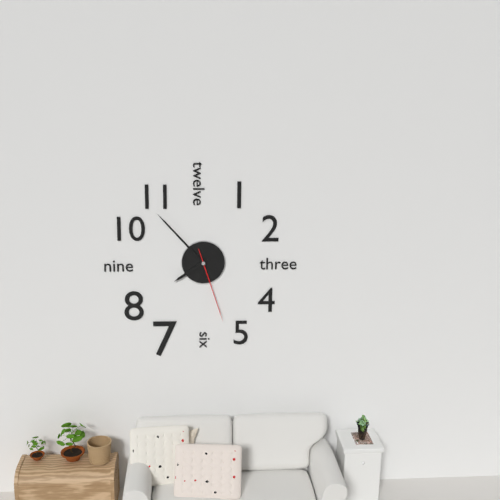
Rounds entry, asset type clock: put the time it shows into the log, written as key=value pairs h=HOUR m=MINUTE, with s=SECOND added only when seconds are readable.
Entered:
h=7 m=53 s=27
